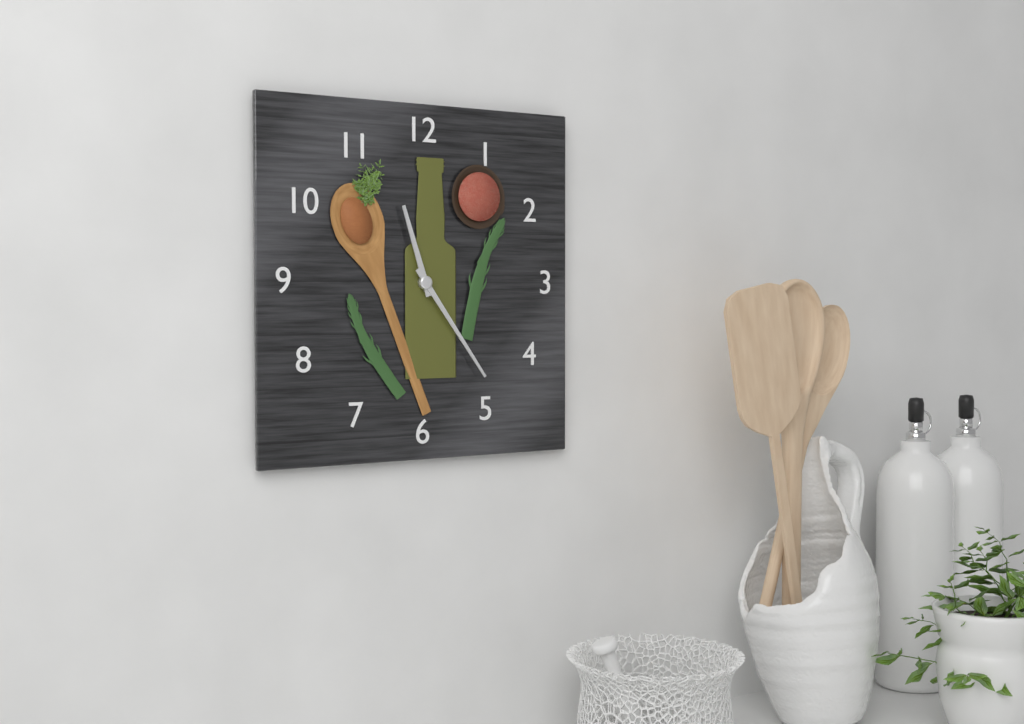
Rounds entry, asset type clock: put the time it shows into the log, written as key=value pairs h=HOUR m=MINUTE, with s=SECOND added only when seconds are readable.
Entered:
h=11 m=24
